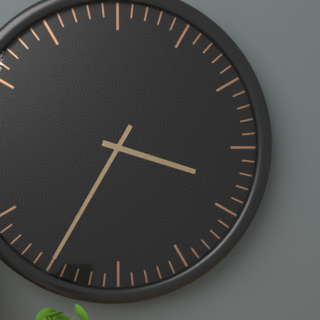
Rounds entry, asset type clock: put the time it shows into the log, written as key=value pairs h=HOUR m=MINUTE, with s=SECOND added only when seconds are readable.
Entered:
h=3 m=35
